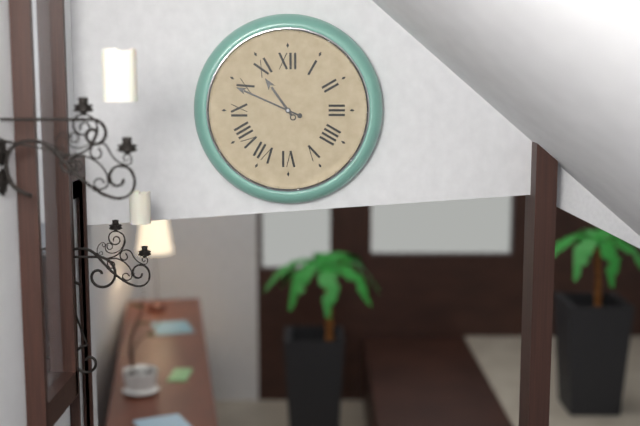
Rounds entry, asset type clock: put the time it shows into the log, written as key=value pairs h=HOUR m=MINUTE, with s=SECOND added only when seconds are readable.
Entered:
h=10 m=49
